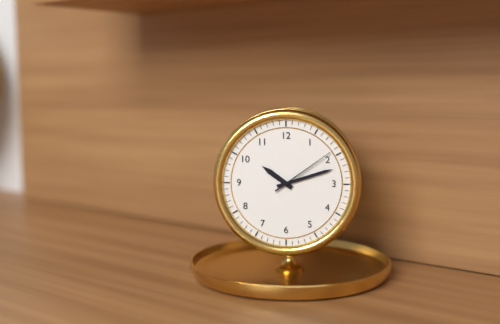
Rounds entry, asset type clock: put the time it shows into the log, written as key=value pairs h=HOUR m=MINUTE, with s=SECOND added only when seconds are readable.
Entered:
h=10 m=12 s=9
